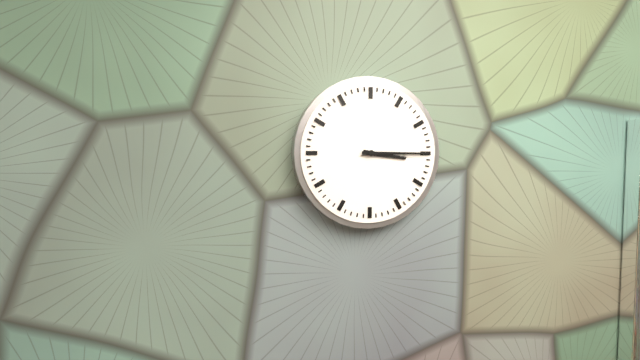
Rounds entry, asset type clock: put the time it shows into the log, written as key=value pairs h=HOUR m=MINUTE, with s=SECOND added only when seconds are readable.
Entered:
h=3 m=15
